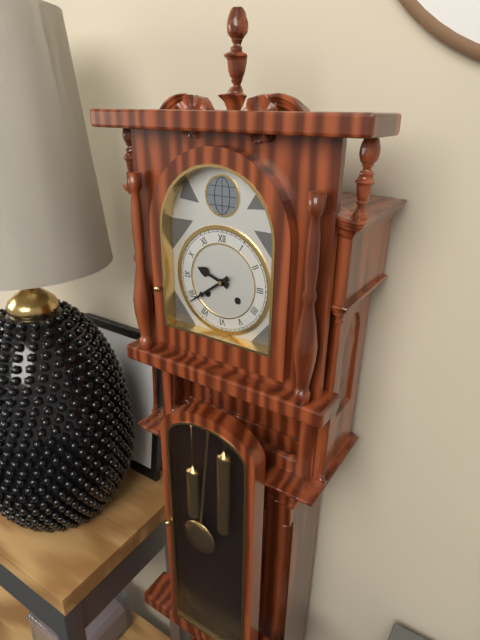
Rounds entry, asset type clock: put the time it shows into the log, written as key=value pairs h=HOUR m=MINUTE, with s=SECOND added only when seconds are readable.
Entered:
h=9 m=39
